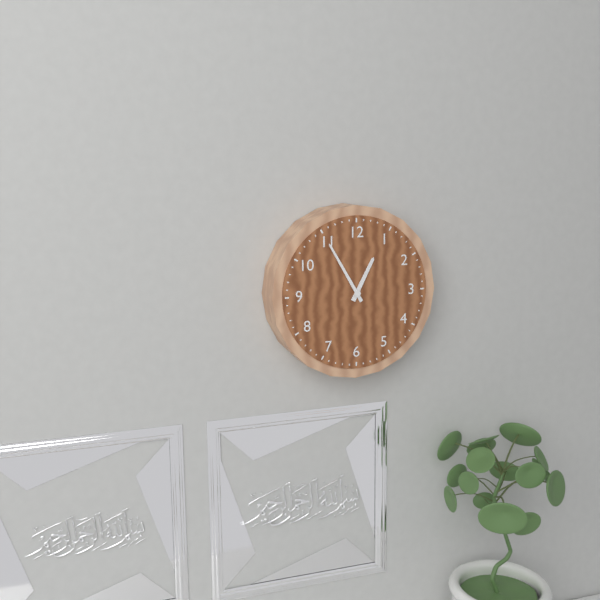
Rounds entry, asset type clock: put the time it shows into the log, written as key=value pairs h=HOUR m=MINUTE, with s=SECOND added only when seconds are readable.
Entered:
h=12 m=55
